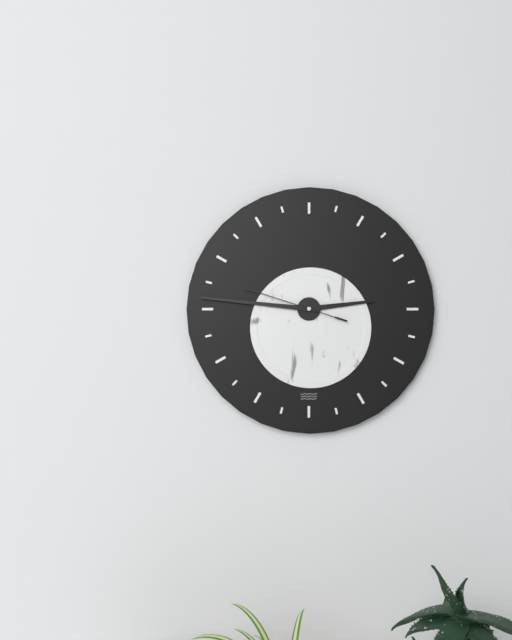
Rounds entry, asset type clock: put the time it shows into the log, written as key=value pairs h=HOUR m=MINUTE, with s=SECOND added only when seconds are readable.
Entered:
h=2 m=46 s=48
